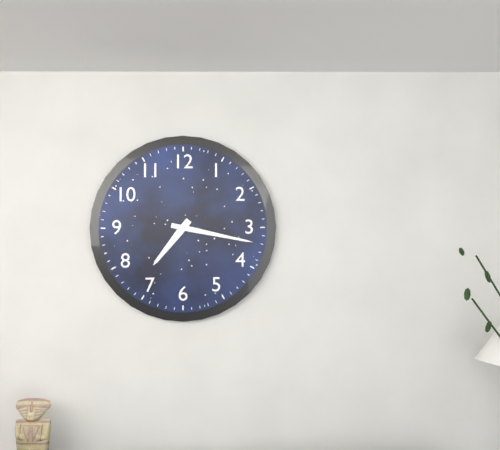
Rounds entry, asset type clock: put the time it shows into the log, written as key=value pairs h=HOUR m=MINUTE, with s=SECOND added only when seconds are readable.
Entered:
h=7 m=17
